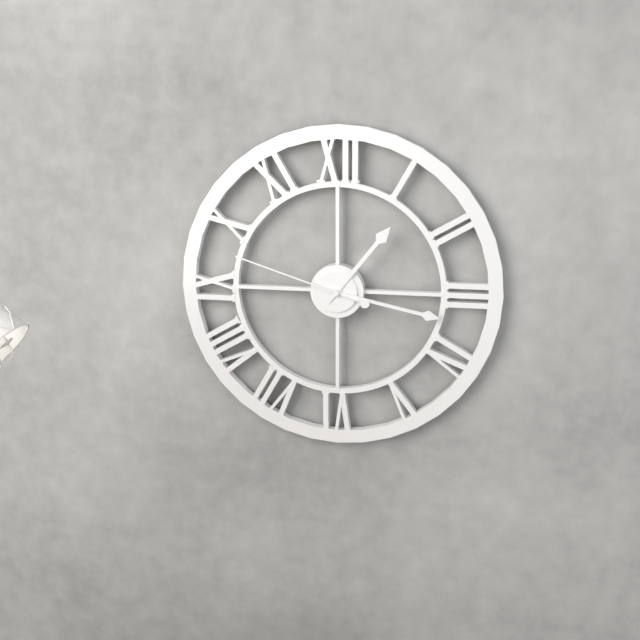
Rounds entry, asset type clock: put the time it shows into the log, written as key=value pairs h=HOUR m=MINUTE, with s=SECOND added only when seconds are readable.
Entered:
h=1 m=17 s=48
